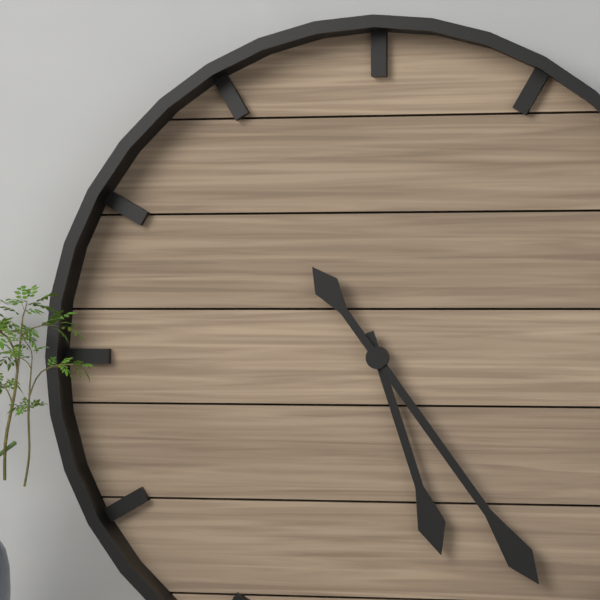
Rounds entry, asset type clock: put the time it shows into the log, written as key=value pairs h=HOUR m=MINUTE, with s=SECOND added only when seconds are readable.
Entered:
h=5 m=24
